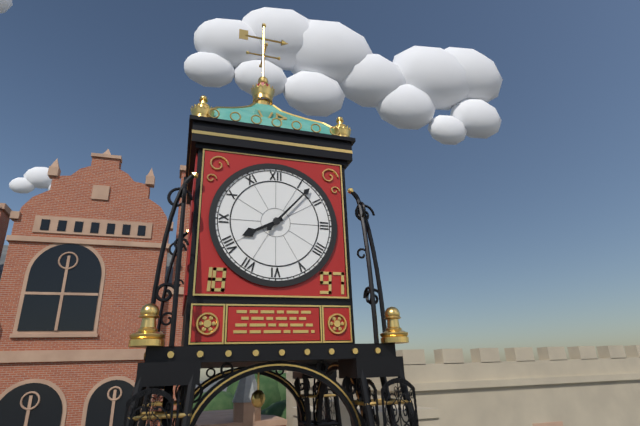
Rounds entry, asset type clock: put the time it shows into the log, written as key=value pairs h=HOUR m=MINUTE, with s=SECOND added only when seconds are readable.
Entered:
h=8 m=7
